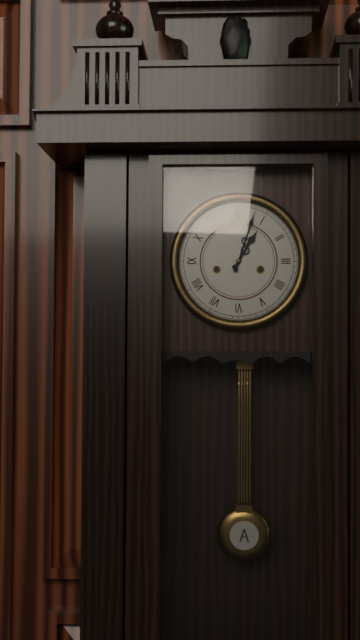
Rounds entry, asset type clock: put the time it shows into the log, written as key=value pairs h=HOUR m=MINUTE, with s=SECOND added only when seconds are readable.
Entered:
h=1 m=3
